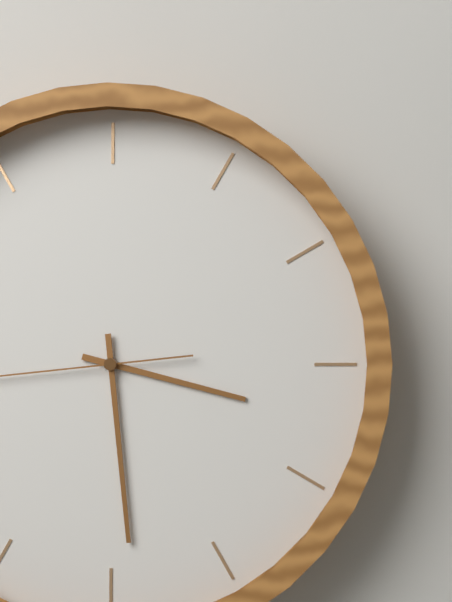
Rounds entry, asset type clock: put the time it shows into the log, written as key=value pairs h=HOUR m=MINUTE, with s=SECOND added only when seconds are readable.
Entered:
h=3 m=29
